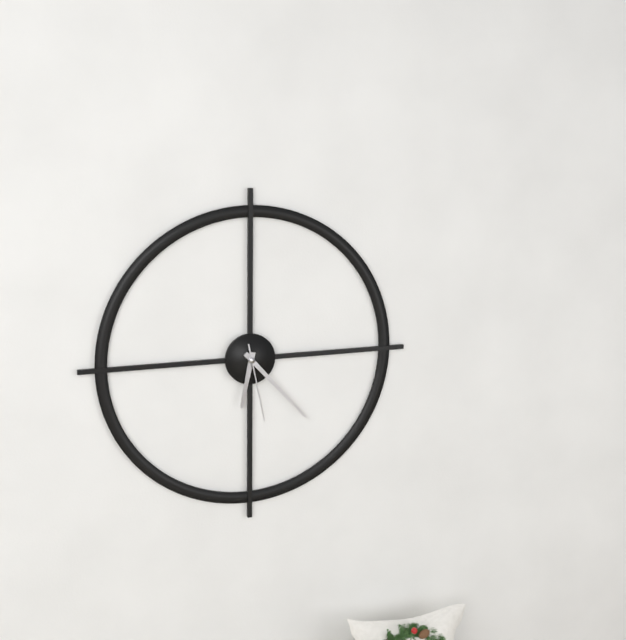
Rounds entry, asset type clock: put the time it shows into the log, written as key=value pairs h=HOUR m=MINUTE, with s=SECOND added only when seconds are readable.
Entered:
h=6 m=23 s=28
